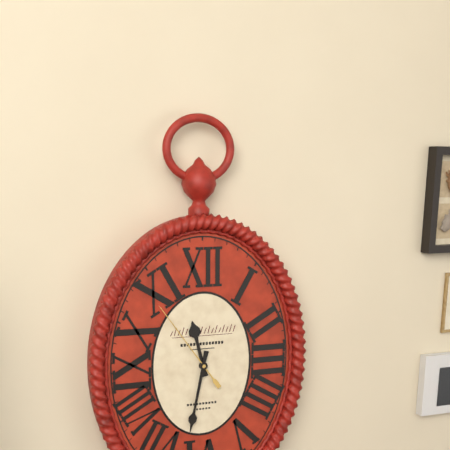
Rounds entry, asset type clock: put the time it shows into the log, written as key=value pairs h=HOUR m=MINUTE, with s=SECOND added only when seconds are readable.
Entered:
h=11 m=32 s=54
